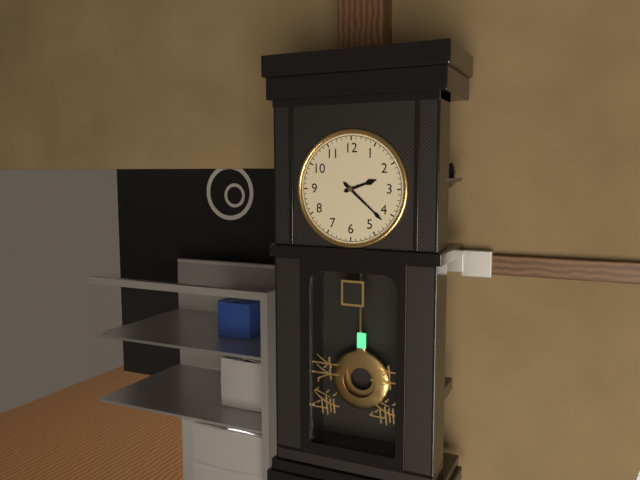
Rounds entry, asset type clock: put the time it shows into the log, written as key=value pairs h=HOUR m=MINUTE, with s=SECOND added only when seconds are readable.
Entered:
h=2 m=22
